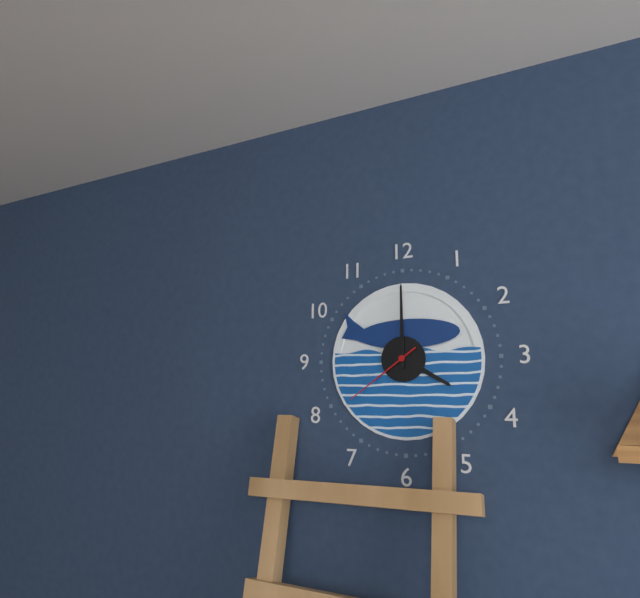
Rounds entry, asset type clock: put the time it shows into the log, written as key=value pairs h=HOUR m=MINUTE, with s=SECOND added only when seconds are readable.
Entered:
h=4 m=0 s=39
